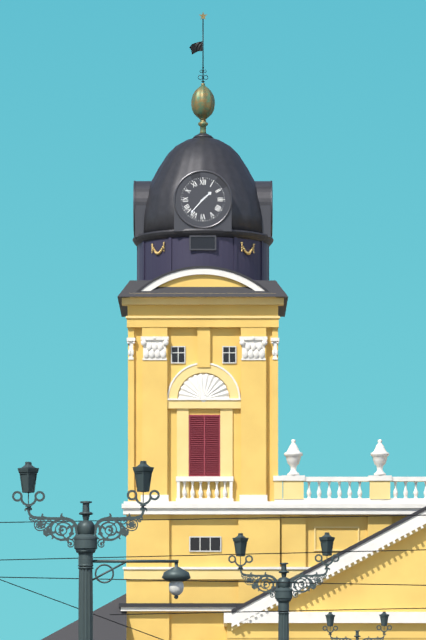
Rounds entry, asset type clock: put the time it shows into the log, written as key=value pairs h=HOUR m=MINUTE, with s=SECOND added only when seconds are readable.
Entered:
h=1 m=37
